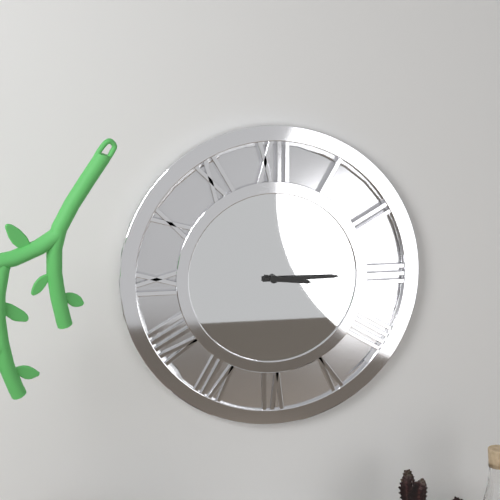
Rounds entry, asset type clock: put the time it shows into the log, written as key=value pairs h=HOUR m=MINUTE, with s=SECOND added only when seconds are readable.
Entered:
h=3 m=15
